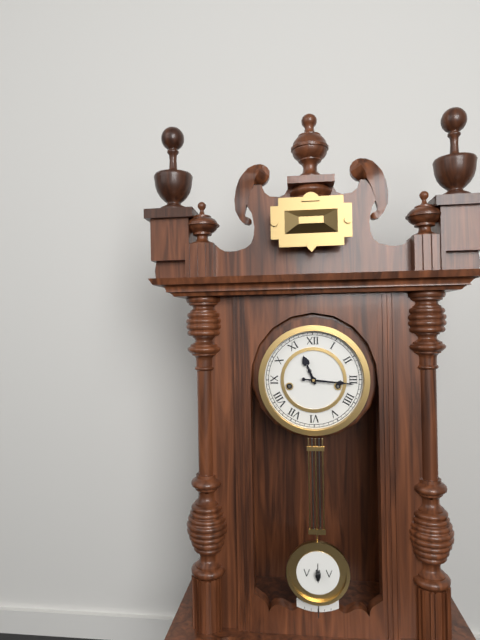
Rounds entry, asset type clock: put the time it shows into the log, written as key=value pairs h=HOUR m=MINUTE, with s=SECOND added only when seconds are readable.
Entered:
h=11 m=16
